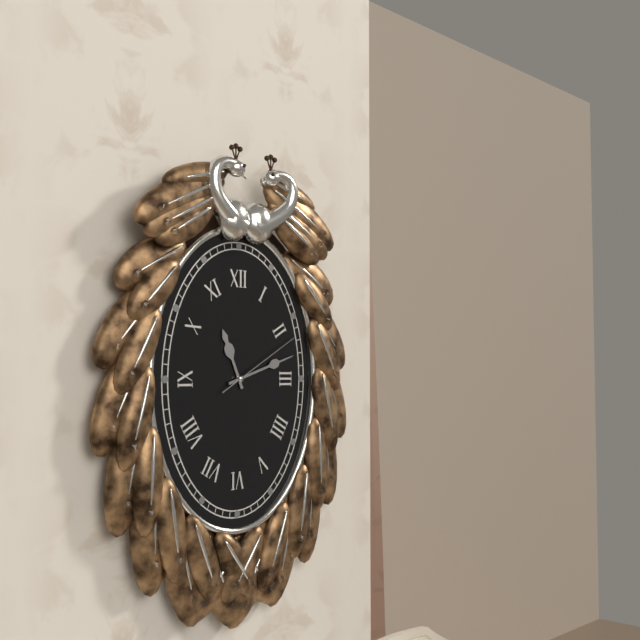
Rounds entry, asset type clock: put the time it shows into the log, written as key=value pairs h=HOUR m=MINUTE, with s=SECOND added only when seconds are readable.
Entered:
h=11 m=12 s=10
